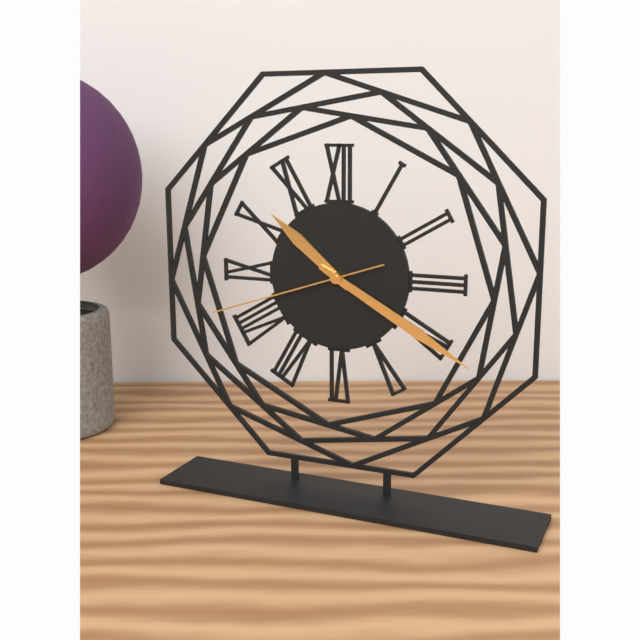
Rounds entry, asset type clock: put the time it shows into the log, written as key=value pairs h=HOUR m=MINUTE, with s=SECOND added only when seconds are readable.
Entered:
h=10 m=20 s=42
